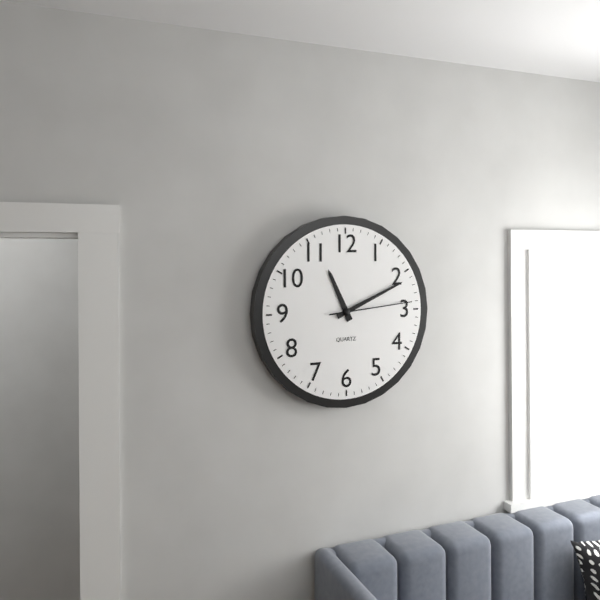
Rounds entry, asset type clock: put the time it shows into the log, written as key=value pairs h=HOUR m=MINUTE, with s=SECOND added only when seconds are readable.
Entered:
h=11 m=11 s=14
